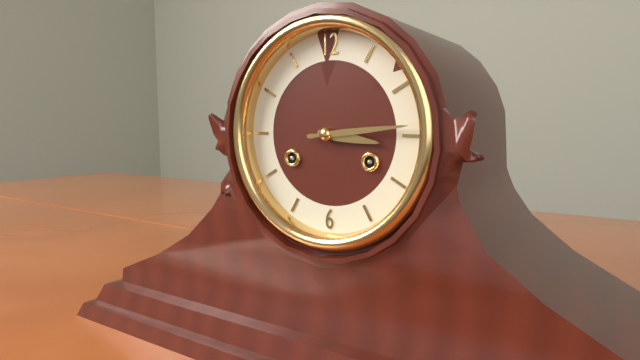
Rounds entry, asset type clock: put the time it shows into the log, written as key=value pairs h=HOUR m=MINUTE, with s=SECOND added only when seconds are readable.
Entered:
h=3 m=14
